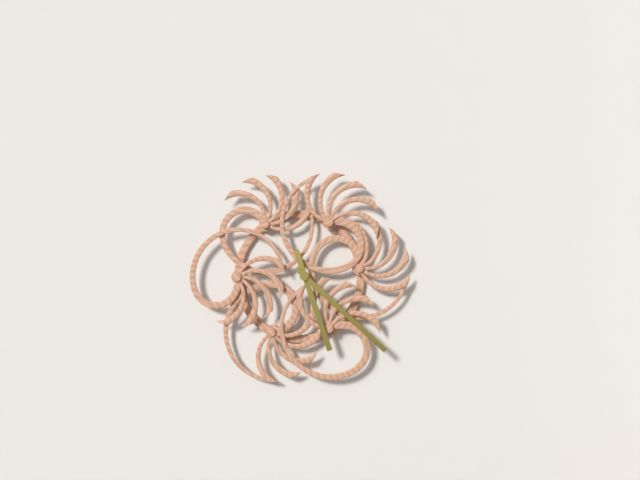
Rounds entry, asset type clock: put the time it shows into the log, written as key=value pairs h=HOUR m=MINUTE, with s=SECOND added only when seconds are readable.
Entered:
h=5 m=22
